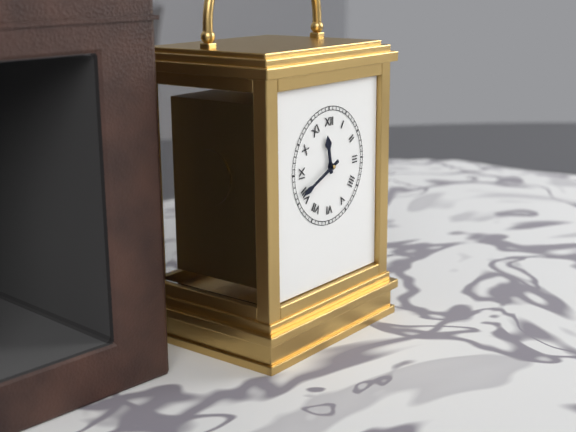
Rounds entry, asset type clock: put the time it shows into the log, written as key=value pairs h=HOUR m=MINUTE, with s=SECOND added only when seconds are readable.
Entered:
h=11 m=41
